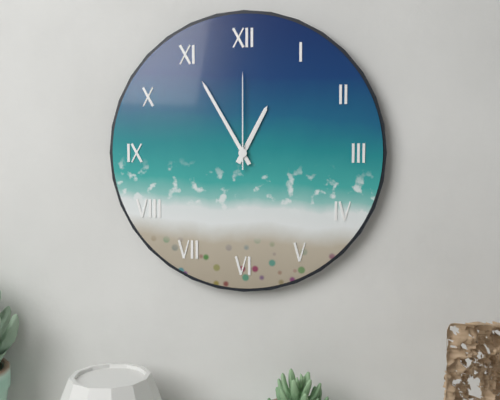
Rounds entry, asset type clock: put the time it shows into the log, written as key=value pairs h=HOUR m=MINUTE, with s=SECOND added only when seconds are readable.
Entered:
h=12 m=55 s=0
